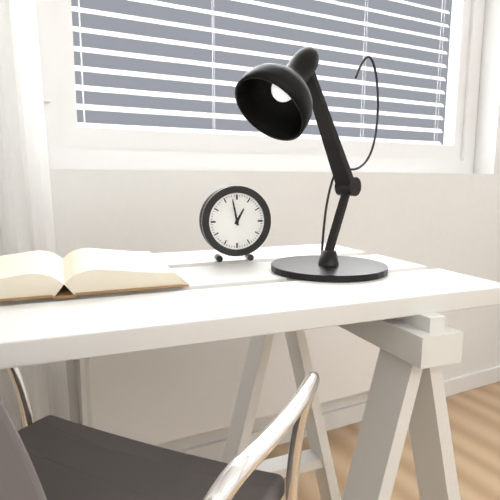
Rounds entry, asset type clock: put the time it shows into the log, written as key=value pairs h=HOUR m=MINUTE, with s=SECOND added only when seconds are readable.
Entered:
h=12 m=58
